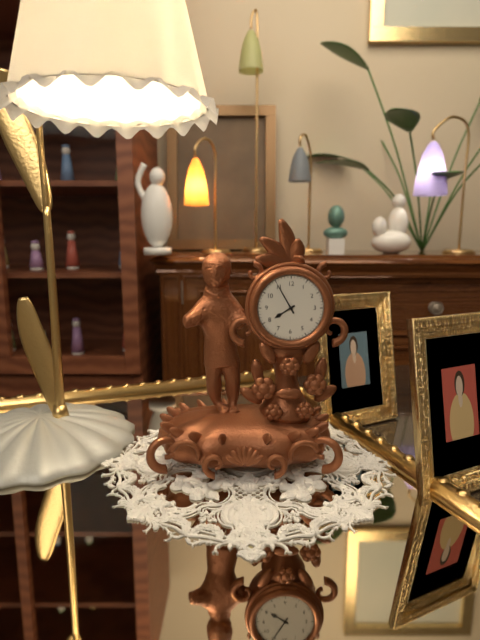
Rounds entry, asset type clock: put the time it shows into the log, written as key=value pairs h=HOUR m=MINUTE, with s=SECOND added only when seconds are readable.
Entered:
h=7 m=55
